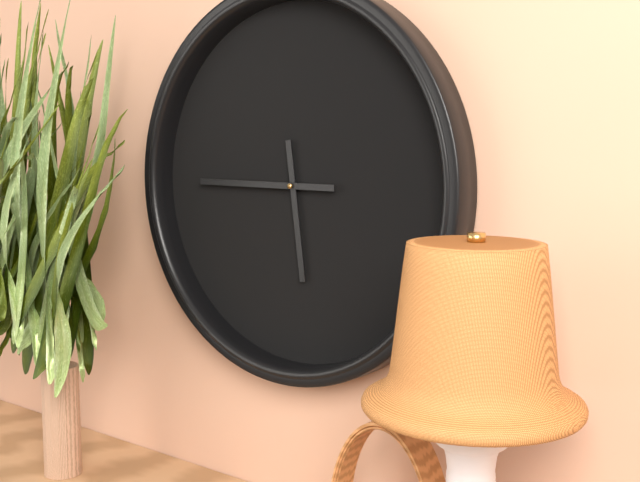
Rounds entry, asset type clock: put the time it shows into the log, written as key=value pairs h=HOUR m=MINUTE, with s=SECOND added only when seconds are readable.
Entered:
h=5 m=45
